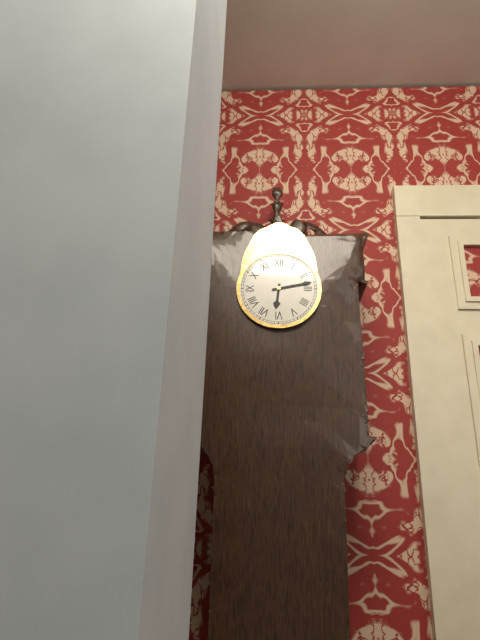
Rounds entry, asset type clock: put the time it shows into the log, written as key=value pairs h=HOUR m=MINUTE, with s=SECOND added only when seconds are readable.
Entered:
h=6 m=13
